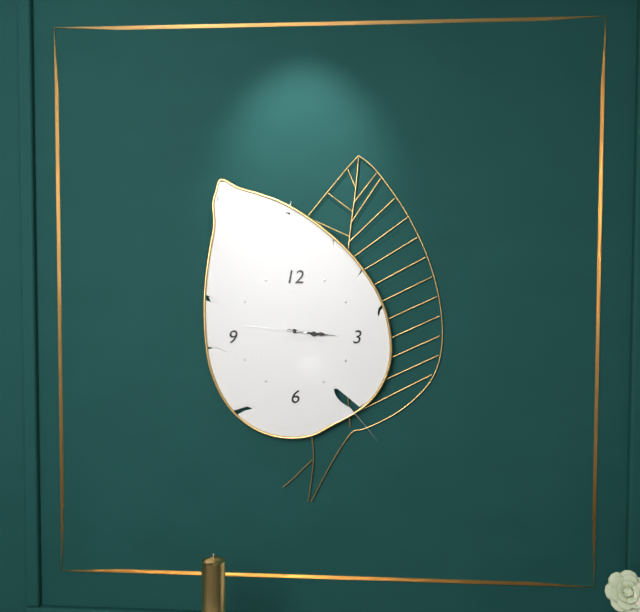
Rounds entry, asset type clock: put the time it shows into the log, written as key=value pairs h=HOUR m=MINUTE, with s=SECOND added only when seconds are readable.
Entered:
h=3 m=16 s=46
